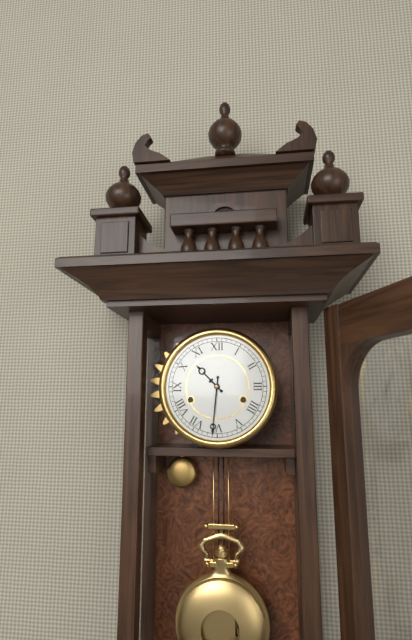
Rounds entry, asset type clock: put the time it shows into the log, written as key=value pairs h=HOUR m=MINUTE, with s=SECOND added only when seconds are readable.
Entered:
h=10 m=31
